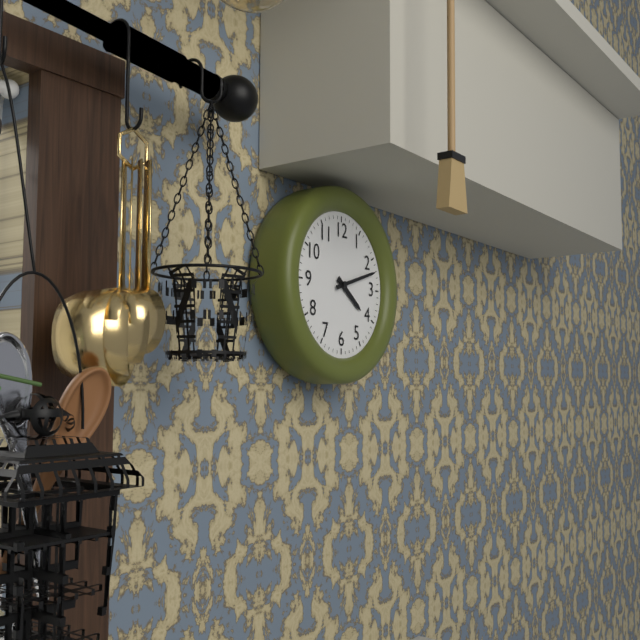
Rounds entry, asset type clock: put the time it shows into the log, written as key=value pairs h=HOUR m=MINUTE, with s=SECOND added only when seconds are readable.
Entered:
h=4 m=12
